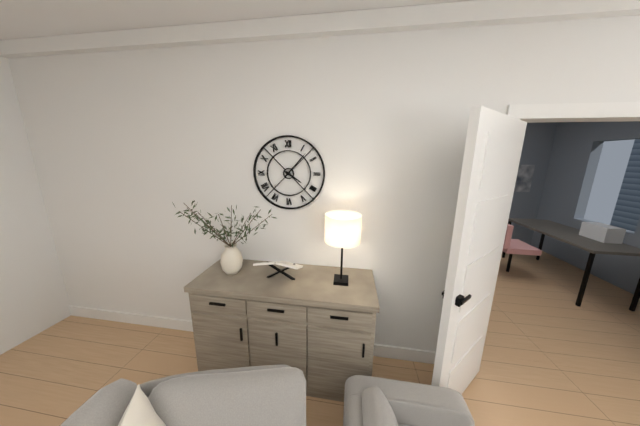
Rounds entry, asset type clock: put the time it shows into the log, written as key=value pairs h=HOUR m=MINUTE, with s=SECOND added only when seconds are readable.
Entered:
h=4 m=7
